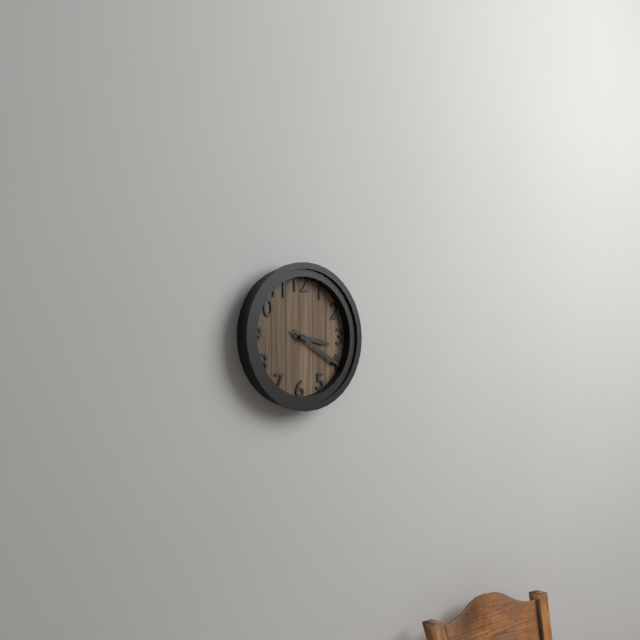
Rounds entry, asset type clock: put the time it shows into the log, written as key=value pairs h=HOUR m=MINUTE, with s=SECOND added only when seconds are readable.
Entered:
h=3 m=20
